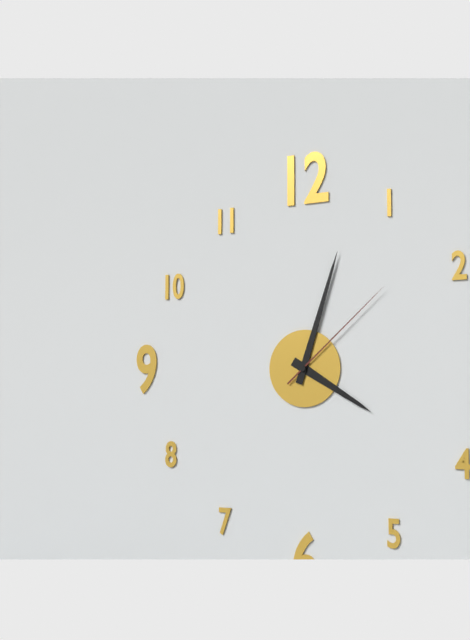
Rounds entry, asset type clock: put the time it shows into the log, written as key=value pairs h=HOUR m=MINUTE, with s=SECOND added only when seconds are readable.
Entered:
h=4 m=3 s=8
